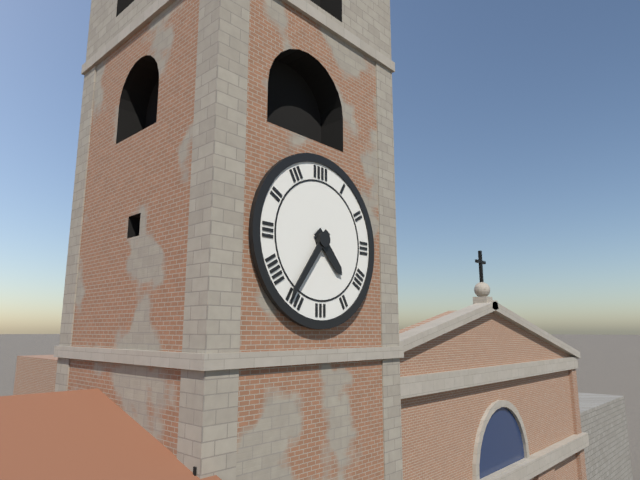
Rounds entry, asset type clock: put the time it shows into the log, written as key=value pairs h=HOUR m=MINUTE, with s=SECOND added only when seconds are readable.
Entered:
h=4 m=36
